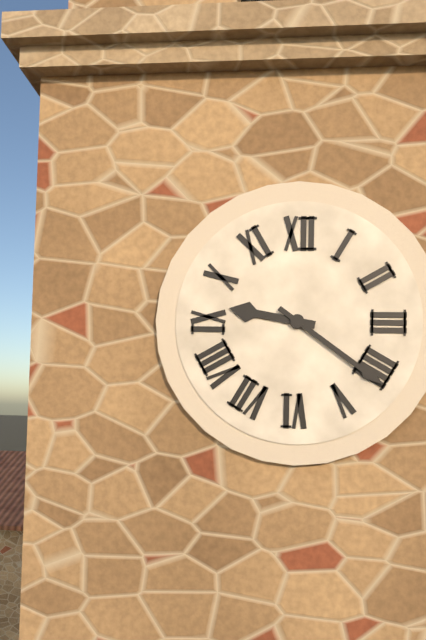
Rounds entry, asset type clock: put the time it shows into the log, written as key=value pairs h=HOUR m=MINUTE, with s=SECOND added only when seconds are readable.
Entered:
h=9 m=21
